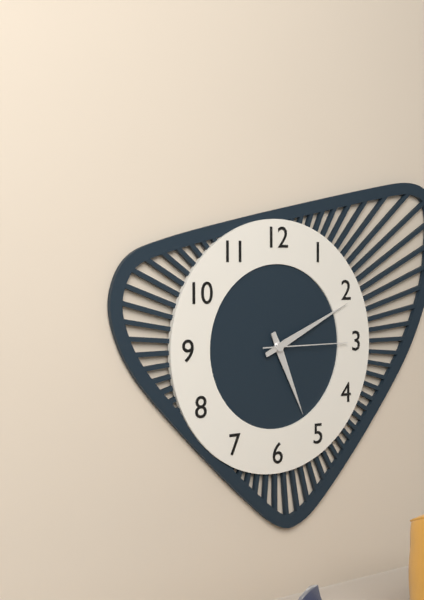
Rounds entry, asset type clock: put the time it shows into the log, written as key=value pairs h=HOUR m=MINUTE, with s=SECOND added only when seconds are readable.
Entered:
h=5 m=11 s=15
